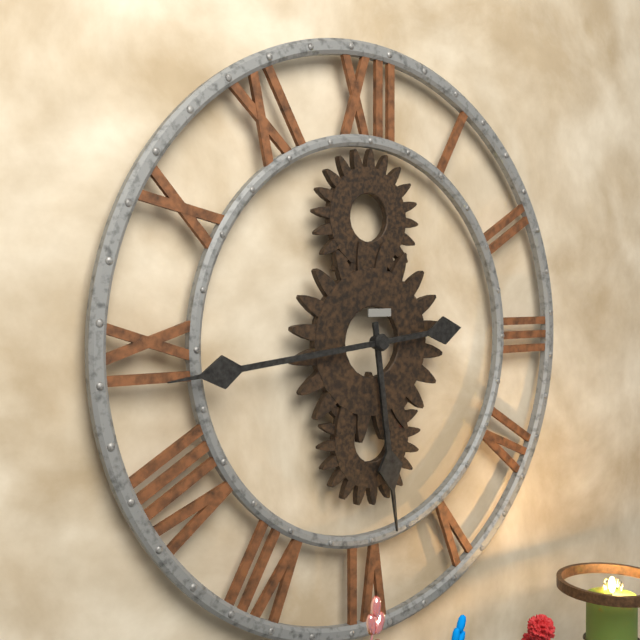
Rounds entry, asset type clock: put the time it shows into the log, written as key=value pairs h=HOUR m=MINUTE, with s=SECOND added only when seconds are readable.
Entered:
h=5 m=44
